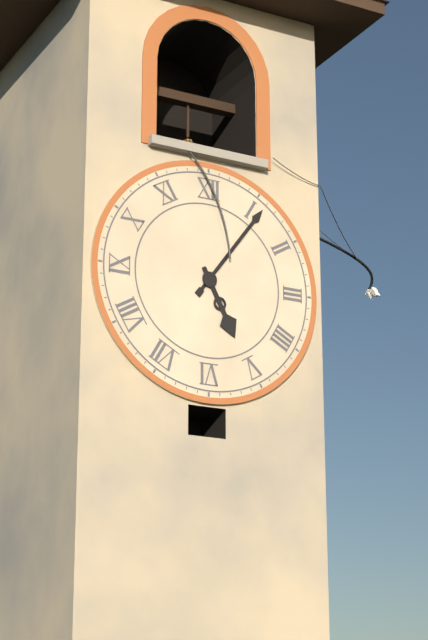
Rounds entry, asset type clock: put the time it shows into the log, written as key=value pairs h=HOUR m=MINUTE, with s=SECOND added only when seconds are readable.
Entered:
h=5 m=6
